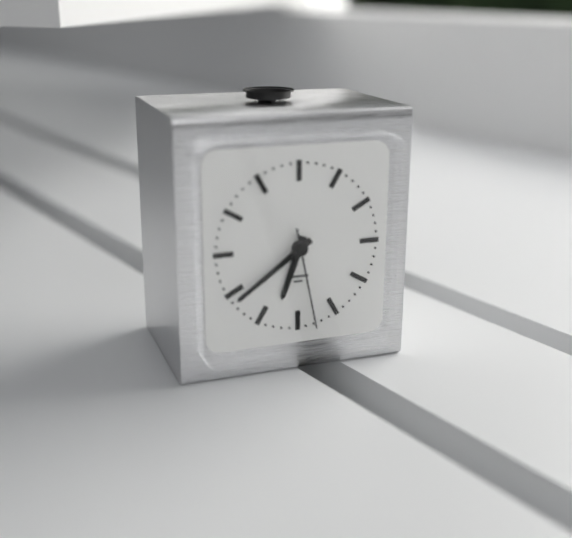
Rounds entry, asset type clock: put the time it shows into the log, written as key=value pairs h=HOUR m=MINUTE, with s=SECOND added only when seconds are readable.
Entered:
h=6 m=39 s=28
